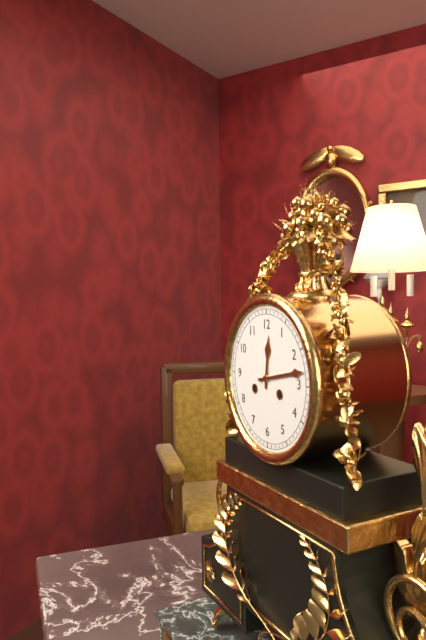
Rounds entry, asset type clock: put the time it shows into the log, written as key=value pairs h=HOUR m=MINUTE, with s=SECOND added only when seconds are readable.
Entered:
h=12 m=13
